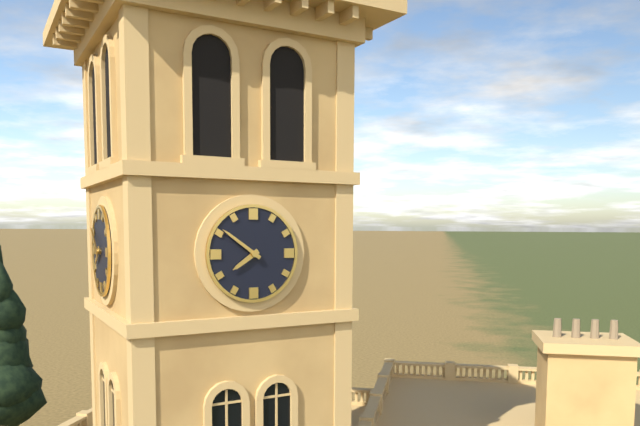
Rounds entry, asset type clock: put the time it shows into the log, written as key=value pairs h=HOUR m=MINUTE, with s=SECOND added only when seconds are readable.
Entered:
h=7 m=51
